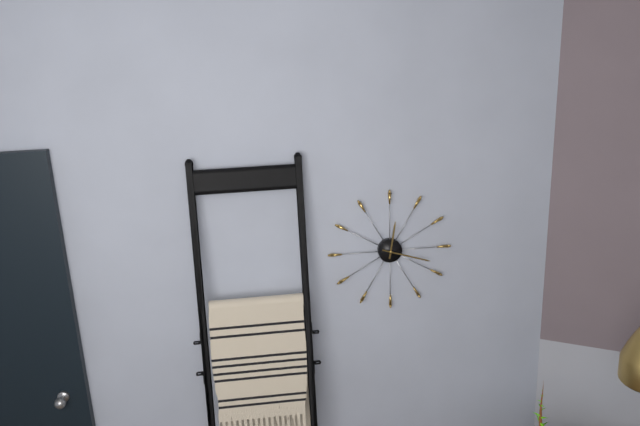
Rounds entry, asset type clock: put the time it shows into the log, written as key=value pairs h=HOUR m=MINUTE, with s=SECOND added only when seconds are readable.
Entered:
h=12 m=18
